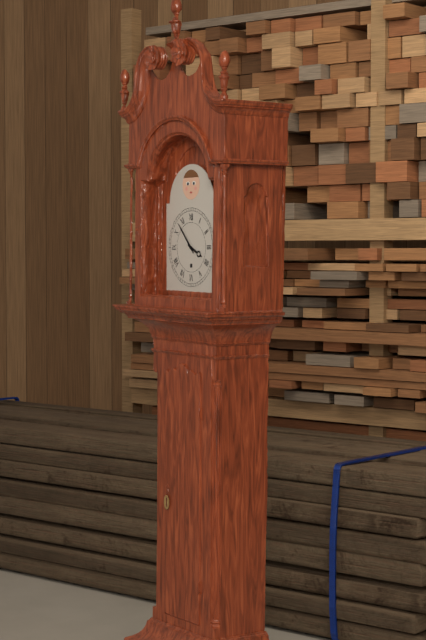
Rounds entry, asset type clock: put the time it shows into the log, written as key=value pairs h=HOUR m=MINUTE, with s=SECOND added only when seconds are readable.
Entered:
h=3 m=53
